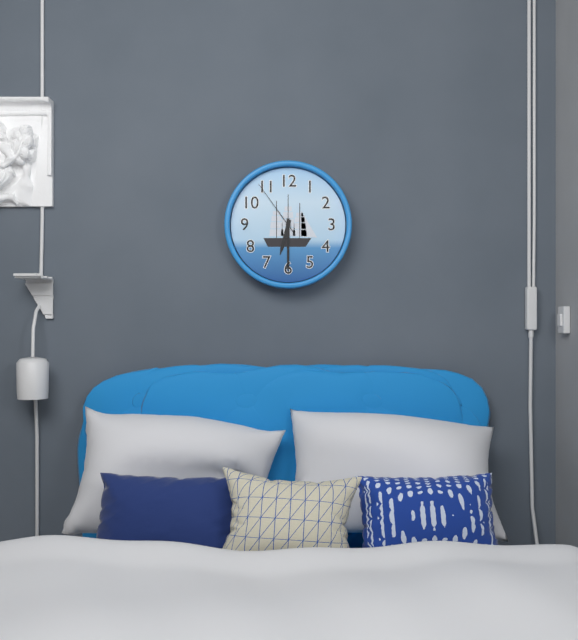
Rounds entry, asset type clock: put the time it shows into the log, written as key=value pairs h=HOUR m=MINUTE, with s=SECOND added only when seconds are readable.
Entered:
h=6 m=30 s=54
